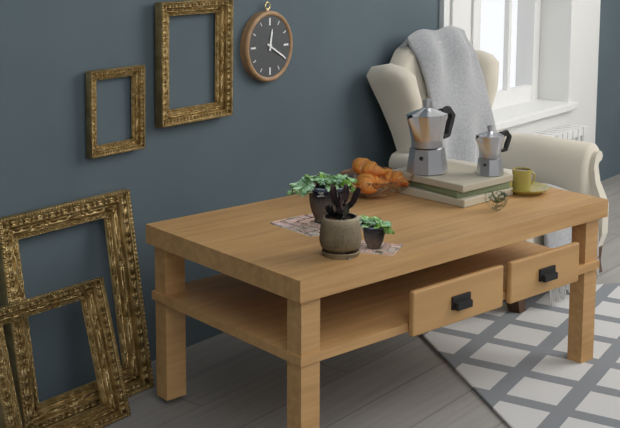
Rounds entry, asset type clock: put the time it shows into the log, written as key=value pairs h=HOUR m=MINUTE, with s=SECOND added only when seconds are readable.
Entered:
h=12 m=20
